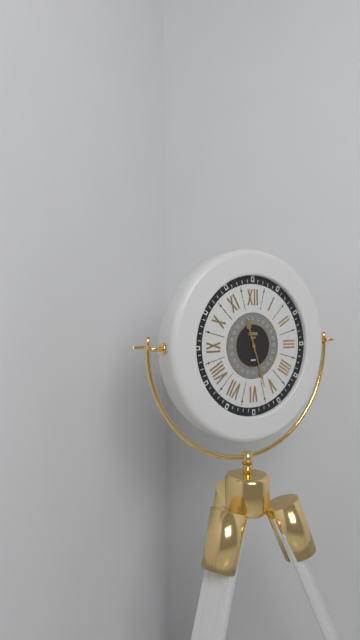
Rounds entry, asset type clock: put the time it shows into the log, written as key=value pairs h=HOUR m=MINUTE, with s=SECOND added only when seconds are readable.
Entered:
h=11 m=27
